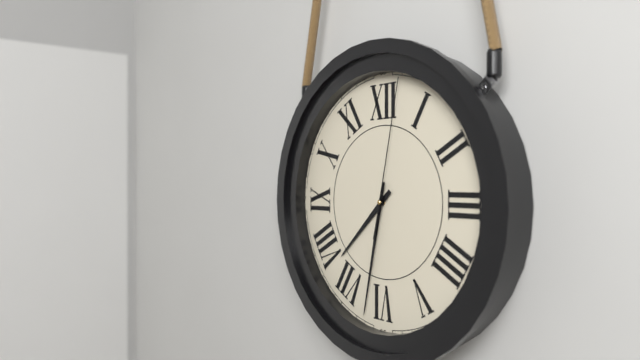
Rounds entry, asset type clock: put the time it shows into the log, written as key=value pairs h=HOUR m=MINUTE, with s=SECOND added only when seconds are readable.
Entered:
h=7 m=32 s=2
